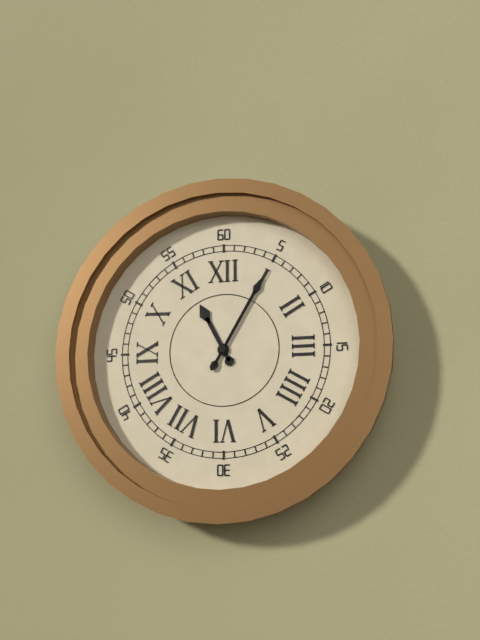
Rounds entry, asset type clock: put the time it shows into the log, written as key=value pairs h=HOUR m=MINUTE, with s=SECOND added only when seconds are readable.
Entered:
h=11 m=5 s=5
